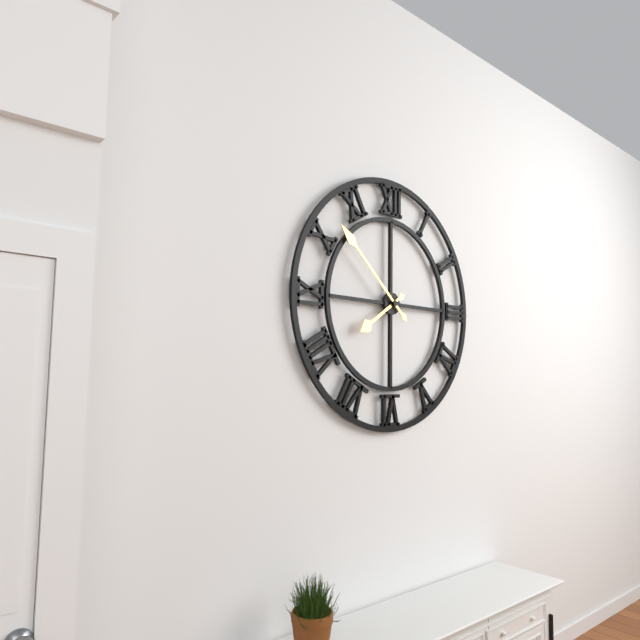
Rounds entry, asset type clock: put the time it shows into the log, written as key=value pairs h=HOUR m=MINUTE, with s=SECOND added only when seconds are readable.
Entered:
h=7 m=52
